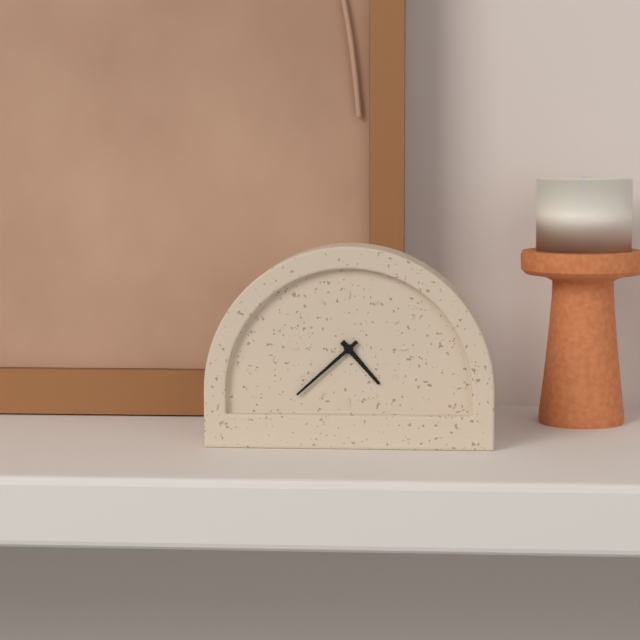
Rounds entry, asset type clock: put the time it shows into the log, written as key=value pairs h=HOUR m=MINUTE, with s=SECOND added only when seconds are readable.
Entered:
h=4 m=38
